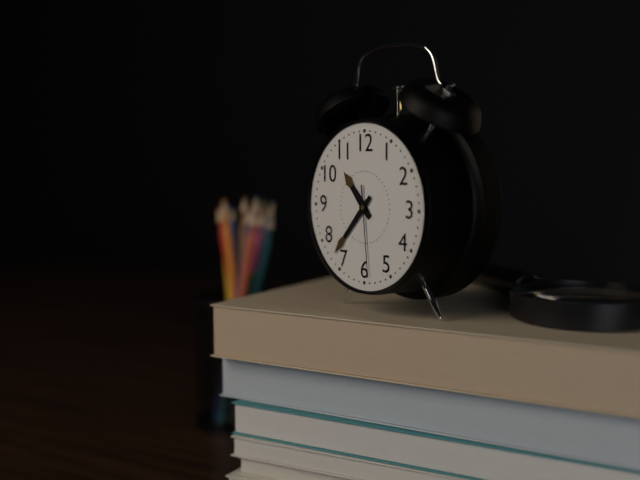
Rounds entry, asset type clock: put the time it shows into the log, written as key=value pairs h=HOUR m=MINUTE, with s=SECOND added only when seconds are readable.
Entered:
h=10 m=37 s=29
